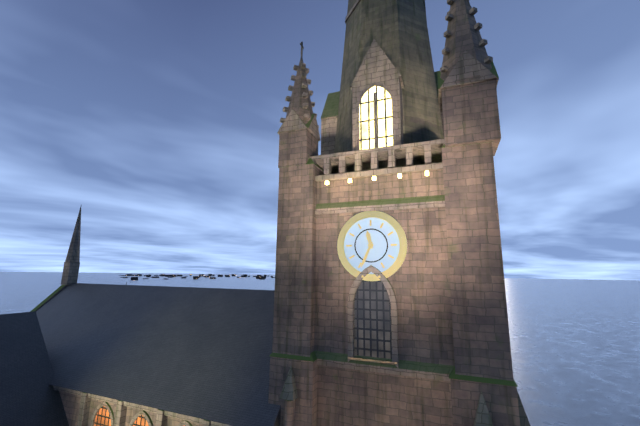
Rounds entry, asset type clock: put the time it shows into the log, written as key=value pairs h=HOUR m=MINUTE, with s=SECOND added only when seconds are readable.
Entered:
h=11 m=34
